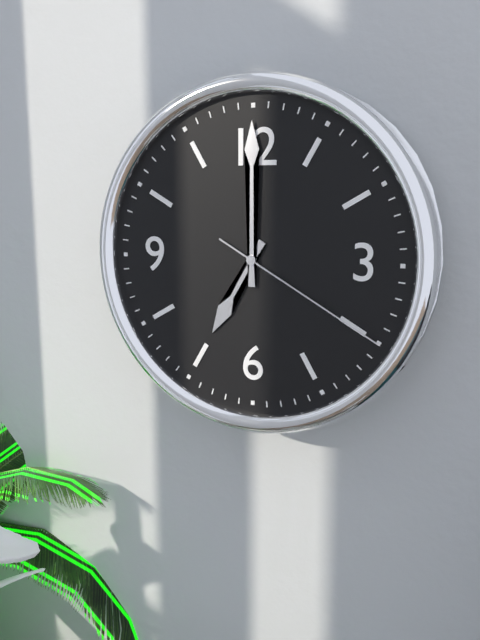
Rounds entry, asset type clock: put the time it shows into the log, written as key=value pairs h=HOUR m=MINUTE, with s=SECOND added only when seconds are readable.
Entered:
h=7 m=0 s=20
